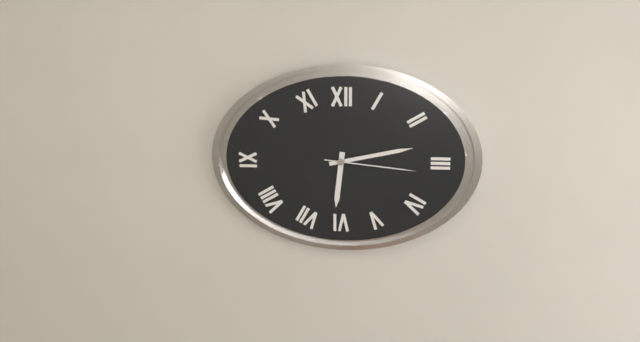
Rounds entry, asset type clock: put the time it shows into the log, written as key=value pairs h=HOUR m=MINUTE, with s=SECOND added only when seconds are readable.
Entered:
h=6 m=13 s=16
